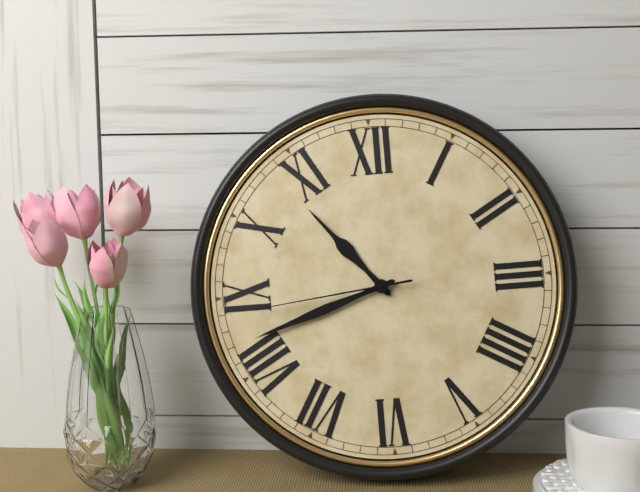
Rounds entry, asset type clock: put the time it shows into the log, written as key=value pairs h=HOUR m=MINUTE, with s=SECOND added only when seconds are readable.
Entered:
h=10 m=42 s=44
